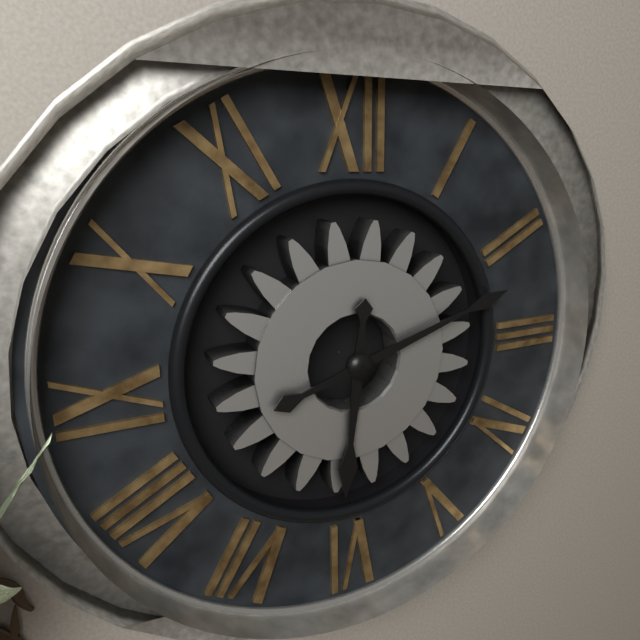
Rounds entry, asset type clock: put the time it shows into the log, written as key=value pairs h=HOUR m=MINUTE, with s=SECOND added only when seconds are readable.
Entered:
h=6 m=12
